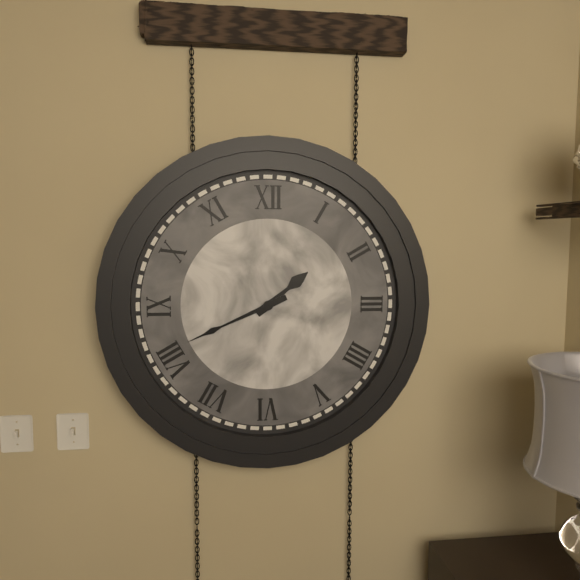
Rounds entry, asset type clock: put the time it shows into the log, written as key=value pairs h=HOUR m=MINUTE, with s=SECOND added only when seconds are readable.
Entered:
h=1 m=41
